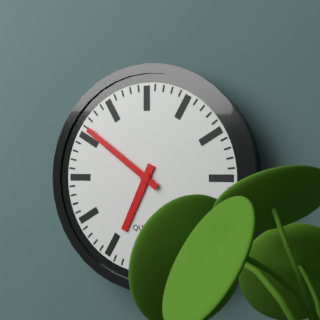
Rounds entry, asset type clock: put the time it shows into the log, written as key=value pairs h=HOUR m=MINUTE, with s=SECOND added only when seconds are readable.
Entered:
h=6 m=51
